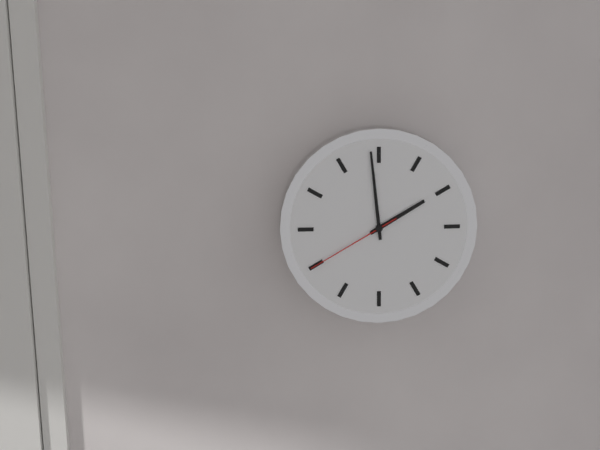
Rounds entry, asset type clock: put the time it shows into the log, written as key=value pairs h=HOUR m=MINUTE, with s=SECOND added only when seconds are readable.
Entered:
h=1 m=59 s=40
